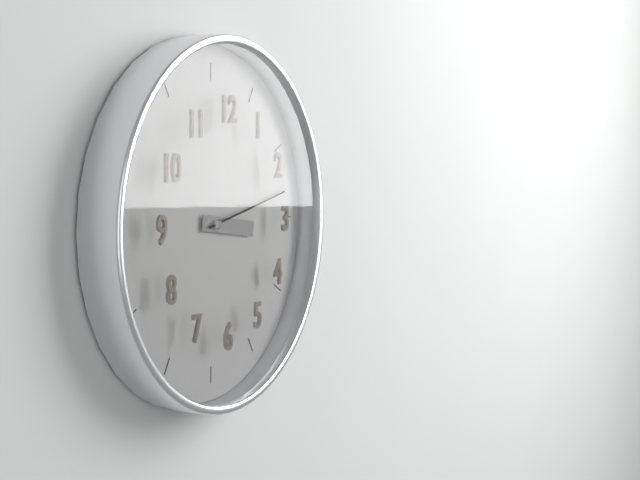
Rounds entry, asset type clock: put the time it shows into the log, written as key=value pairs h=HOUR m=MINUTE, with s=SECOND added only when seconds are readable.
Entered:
h=3 m=13
